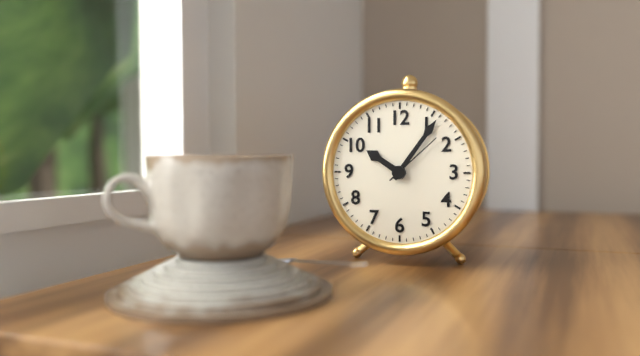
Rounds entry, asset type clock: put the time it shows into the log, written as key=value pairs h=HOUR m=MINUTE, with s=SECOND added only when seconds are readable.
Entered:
h=10 m=6 s=8
